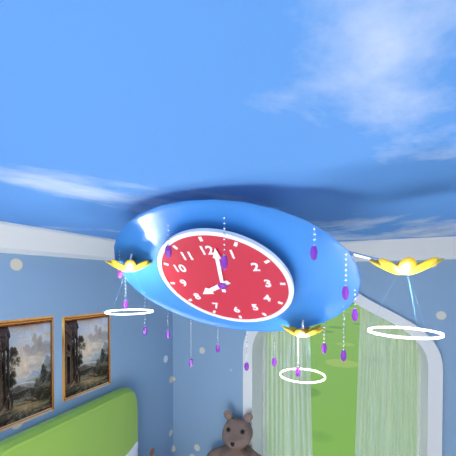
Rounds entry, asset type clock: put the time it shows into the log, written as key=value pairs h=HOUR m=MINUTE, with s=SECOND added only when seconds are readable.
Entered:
h=8 m=2
